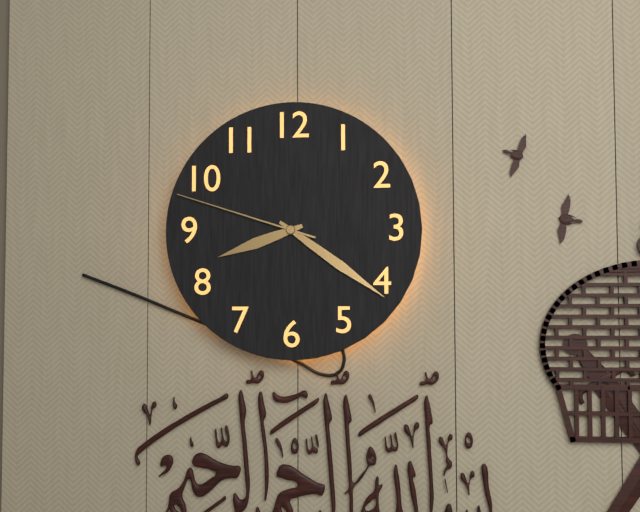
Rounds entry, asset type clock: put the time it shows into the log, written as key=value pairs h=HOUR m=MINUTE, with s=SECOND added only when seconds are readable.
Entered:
h=8 m=21 s=48
